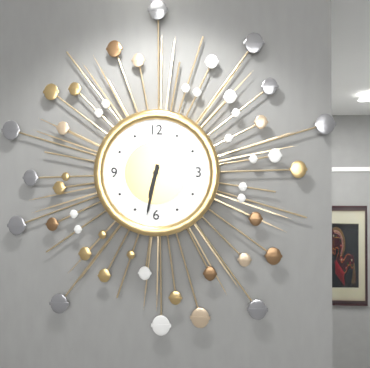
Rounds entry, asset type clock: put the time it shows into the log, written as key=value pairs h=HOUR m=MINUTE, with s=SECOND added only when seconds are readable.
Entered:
h=6 m=32
